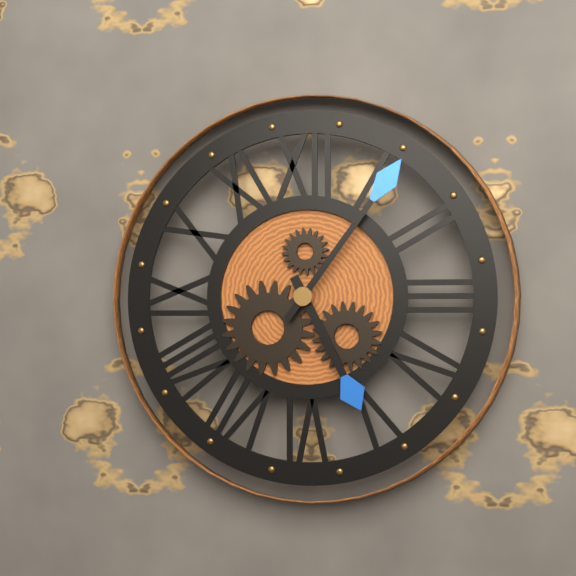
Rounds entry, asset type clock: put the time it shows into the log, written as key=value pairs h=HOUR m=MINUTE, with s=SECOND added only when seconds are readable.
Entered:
h=5 m=6
